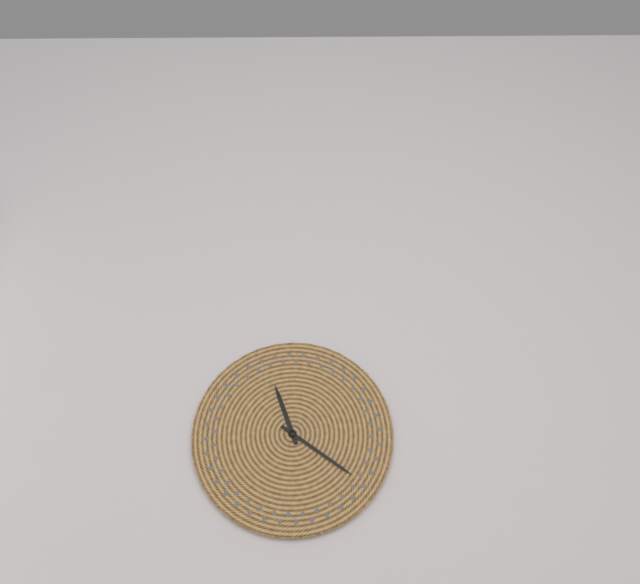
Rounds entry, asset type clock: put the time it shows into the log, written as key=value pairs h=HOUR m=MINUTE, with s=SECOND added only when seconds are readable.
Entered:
h=11 m=21
